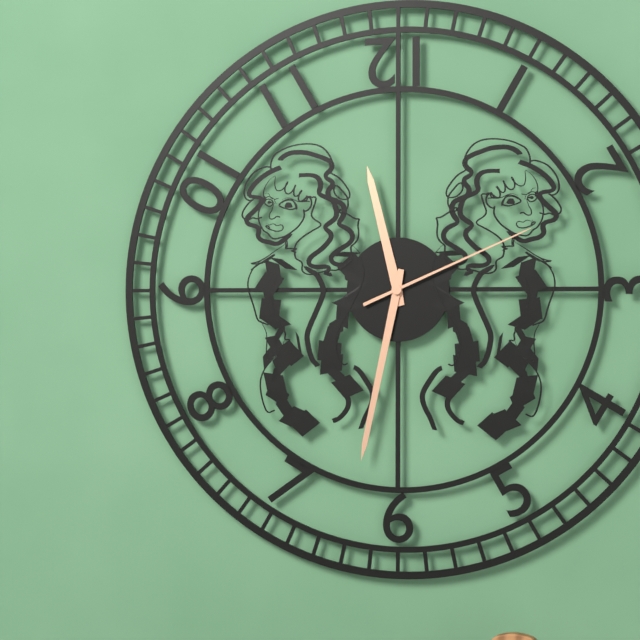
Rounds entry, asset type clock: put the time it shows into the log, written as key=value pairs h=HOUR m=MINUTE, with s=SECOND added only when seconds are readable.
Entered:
h=11 m=32 s=11
